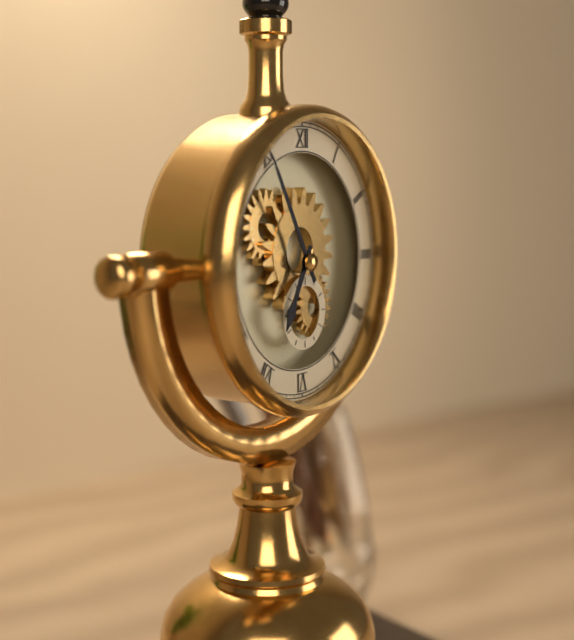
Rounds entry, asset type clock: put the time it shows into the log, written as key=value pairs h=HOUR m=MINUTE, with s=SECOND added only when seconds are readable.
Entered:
h=6 m=55
